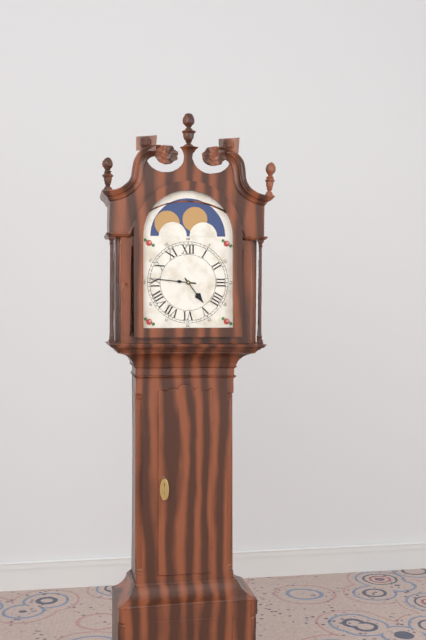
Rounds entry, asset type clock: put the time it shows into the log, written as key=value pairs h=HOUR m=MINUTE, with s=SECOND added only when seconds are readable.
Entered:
h=4 m=46
